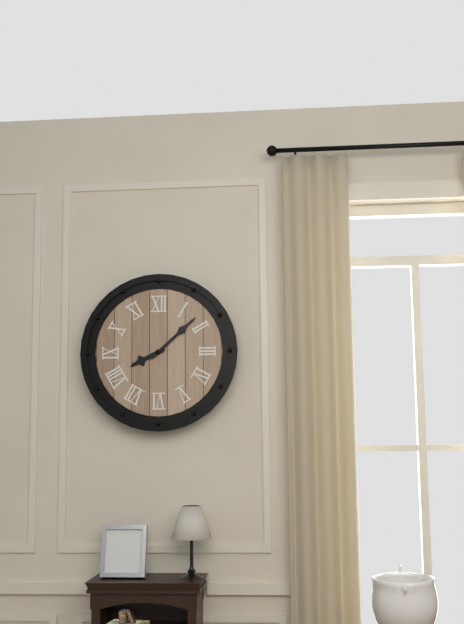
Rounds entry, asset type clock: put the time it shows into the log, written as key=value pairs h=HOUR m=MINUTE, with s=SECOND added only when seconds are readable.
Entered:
h=8 m=8
